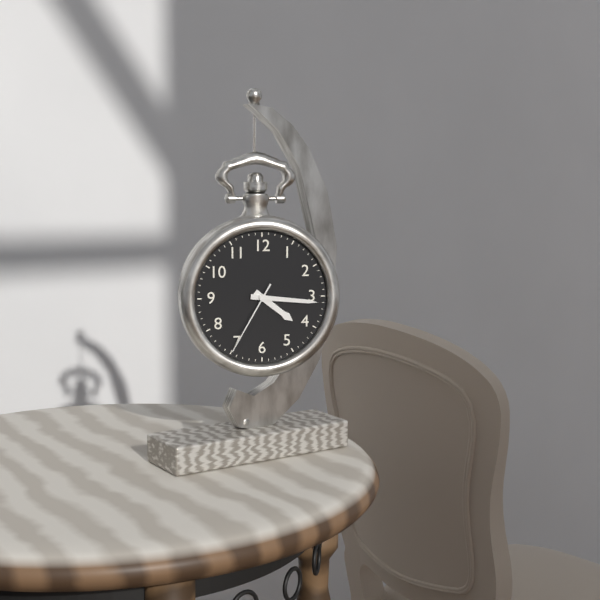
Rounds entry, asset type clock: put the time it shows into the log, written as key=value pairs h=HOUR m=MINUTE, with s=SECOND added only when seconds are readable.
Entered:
h=4 m=16 s=35
